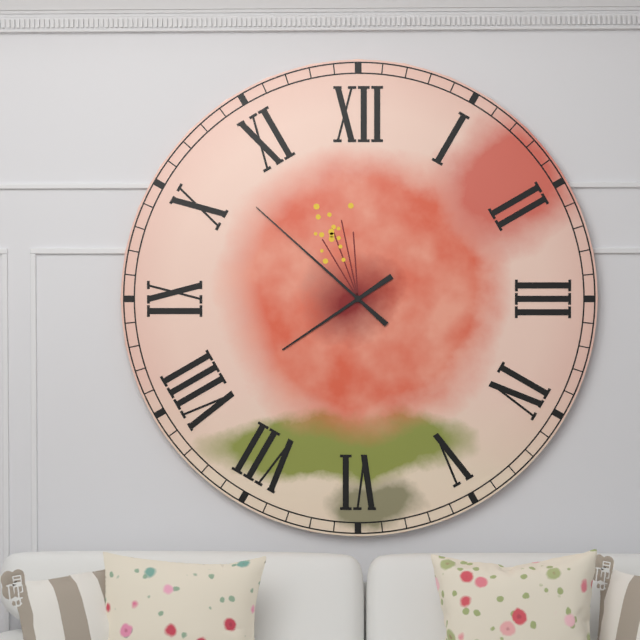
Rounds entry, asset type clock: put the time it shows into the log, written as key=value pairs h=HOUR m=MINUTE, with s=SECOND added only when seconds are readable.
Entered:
h=7 m=52
